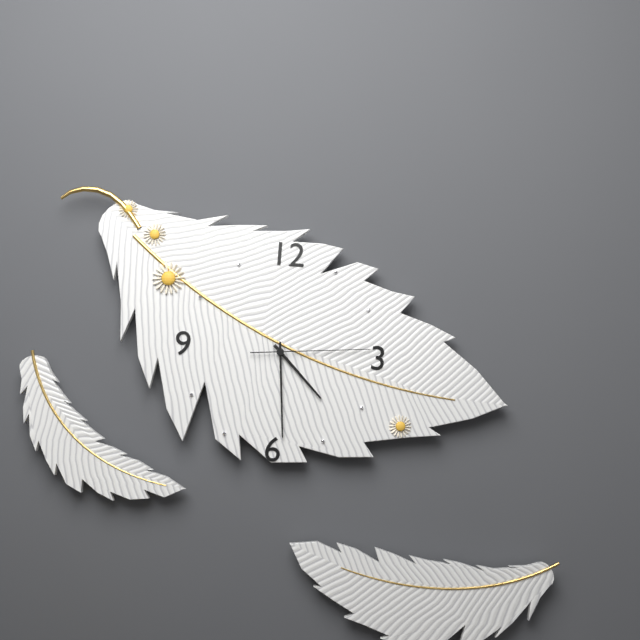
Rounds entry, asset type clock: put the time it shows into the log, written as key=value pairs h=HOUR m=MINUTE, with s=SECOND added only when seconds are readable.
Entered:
h=4 m=29 s=14
